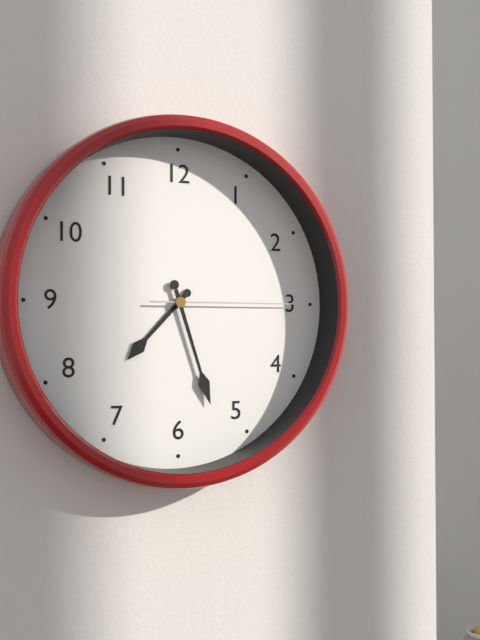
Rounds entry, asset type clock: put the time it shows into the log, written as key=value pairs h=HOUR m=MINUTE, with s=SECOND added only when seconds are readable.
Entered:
h=7 m=27 s=15
